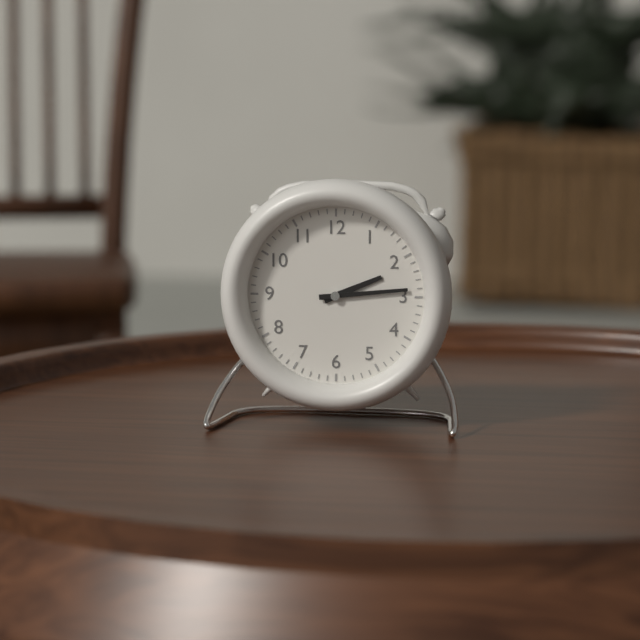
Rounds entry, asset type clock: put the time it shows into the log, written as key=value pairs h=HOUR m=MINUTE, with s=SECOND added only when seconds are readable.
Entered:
h=2 m=14
